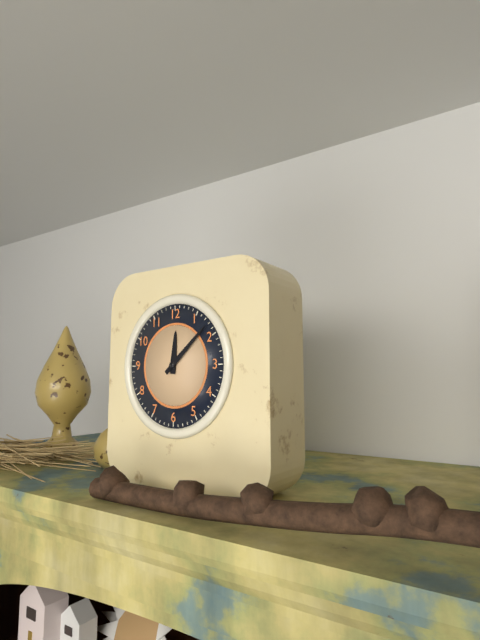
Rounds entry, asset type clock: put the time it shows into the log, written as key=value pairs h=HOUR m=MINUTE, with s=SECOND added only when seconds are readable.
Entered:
h=12 m=8
